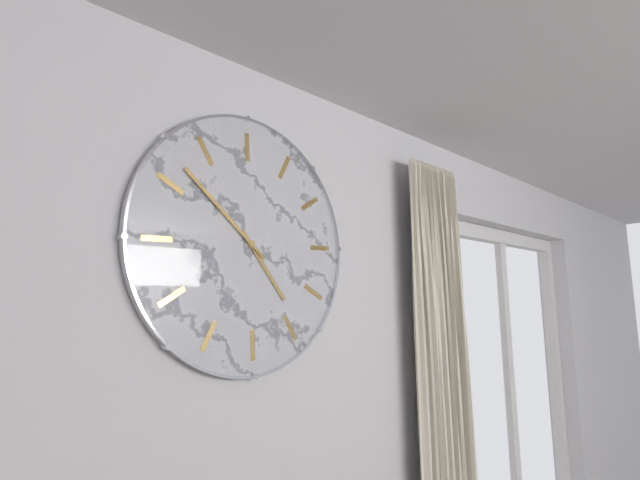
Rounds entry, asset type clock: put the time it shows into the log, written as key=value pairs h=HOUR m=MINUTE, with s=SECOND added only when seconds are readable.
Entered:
h=3 m=47
